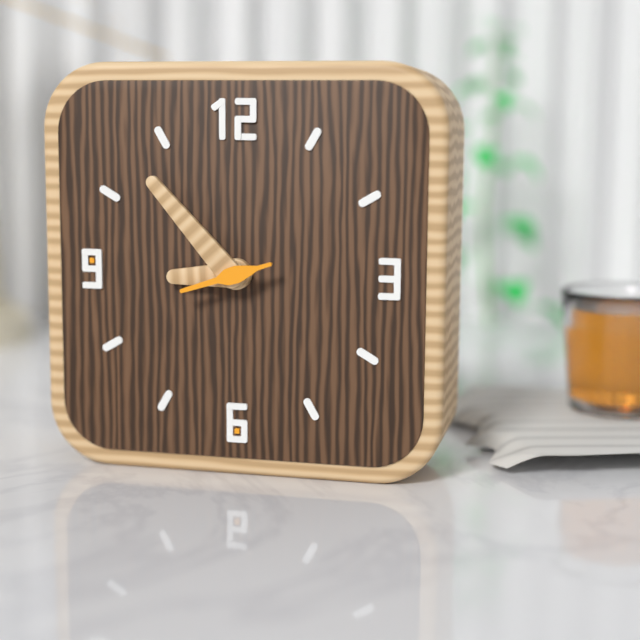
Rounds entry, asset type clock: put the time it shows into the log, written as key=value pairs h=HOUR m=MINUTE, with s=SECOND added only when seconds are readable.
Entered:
h=8 m=53 s=42
